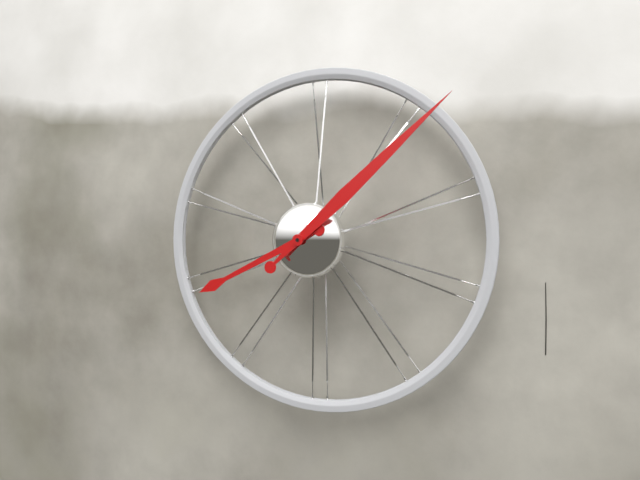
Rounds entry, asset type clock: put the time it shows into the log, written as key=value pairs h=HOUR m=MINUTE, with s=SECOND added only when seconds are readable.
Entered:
h=8 m=8
